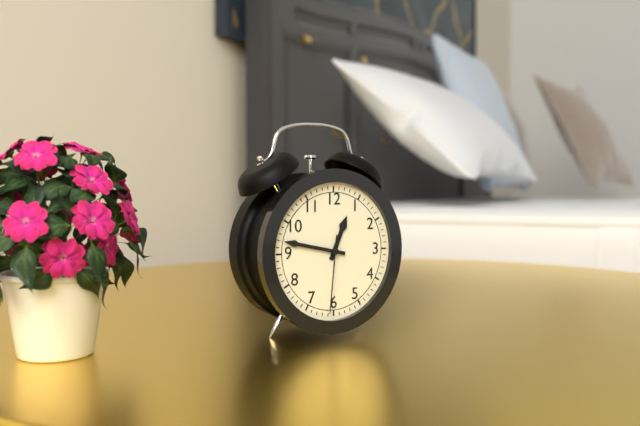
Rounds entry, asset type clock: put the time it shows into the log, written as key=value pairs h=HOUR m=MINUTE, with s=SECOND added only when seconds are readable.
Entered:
h=12 m=47 s=31
